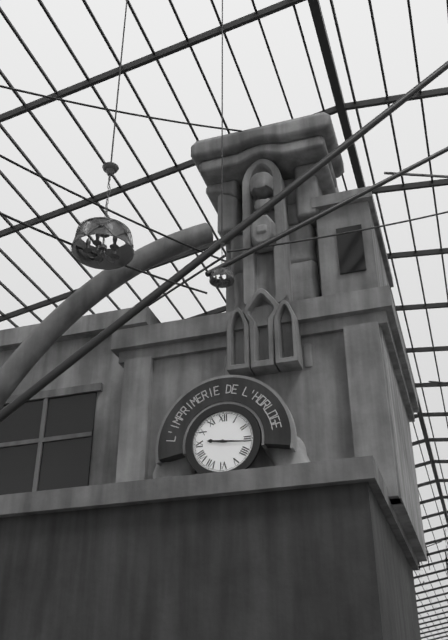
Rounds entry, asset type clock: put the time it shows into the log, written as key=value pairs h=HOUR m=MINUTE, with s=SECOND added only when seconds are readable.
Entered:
h=9 m=16
